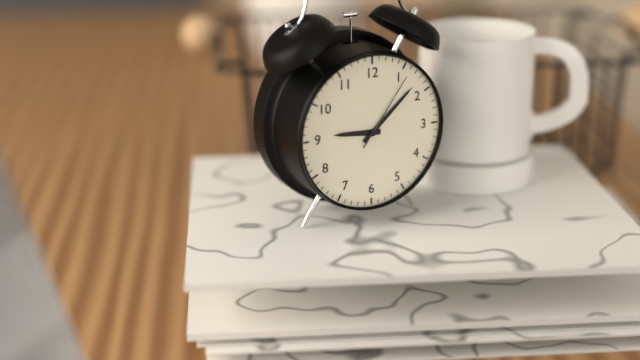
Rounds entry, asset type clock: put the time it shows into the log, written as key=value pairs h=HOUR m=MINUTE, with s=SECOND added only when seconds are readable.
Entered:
h=9 m=8 s=6
